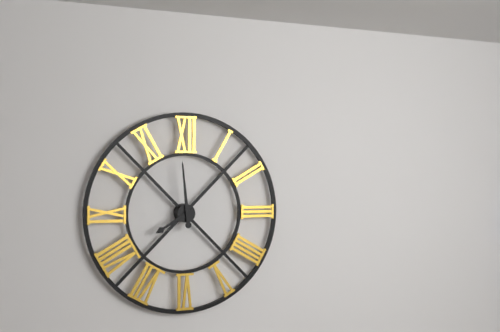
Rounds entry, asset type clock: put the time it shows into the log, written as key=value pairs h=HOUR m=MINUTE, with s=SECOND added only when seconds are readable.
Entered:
h=7 m=59
